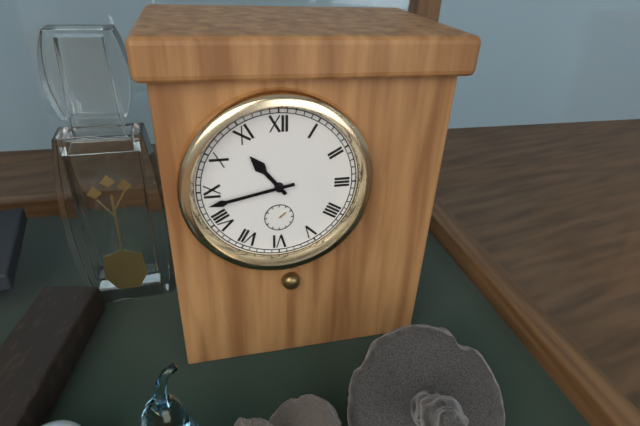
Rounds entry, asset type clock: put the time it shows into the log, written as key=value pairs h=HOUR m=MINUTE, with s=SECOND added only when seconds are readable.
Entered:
h=10 m=43
